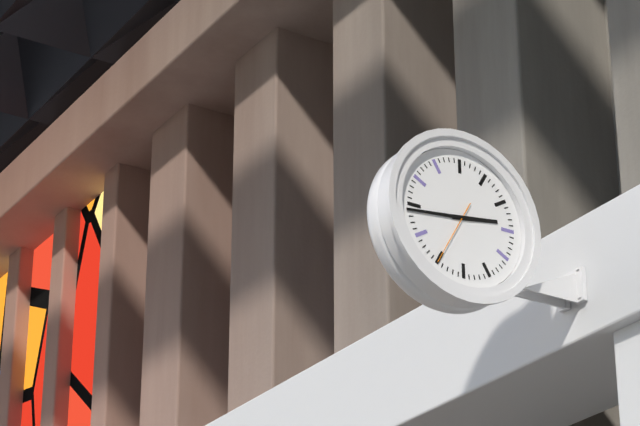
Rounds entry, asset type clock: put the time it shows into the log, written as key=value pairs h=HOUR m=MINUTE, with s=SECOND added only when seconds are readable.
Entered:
h=2 m=44 s=35
